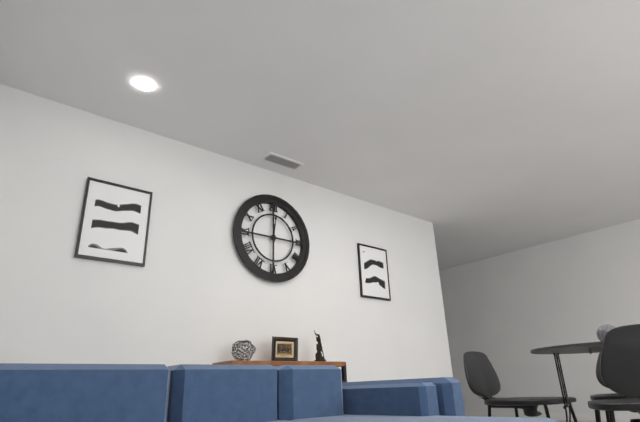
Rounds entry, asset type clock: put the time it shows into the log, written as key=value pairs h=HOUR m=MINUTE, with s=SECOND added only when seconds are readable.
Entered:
h=12 m=1
